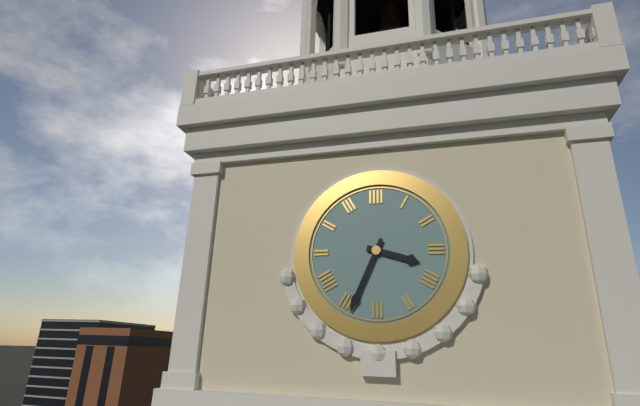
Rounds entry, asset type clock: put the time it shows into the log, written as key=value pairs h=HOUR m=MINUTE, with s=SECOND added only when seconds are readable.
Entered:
h=3 m=34
